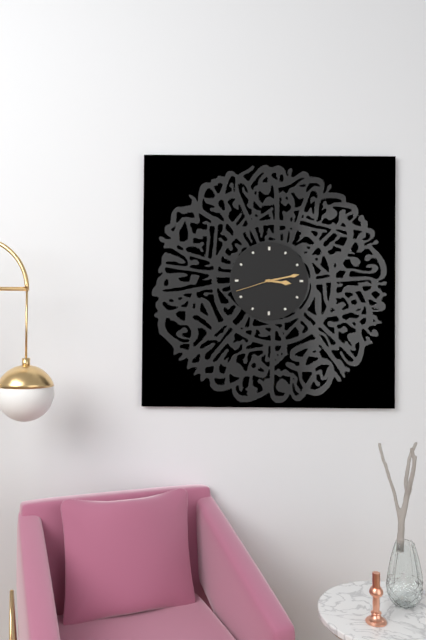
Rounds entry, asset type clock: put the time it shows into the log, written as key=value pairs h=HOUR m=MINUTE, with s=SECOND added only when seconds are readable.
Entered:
h=3 m=13
